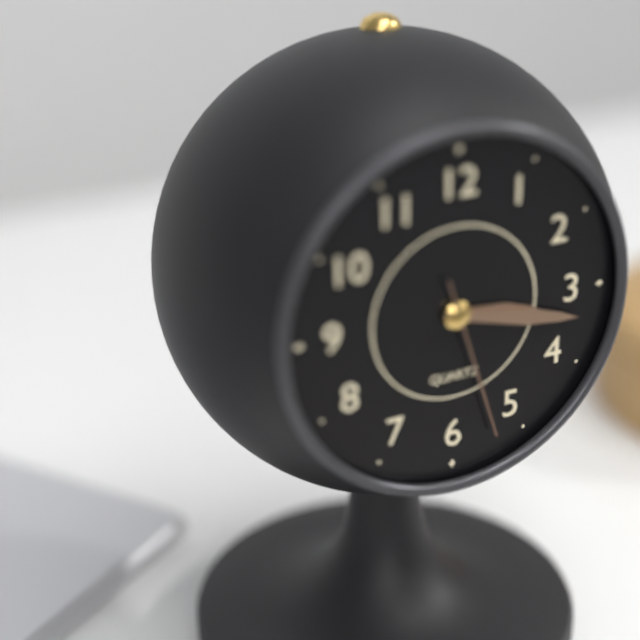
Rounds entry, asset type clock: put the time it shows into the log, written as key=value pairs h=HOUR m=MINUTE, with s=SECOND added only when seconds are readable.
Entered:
h=3 m=17 s=27
